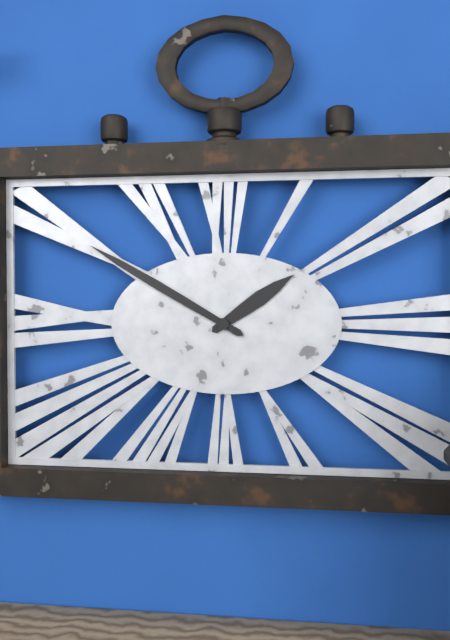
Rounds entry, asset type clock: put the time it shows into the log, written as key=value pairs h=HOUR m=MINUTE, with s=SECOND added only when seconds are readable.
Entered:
h=1 m=50
